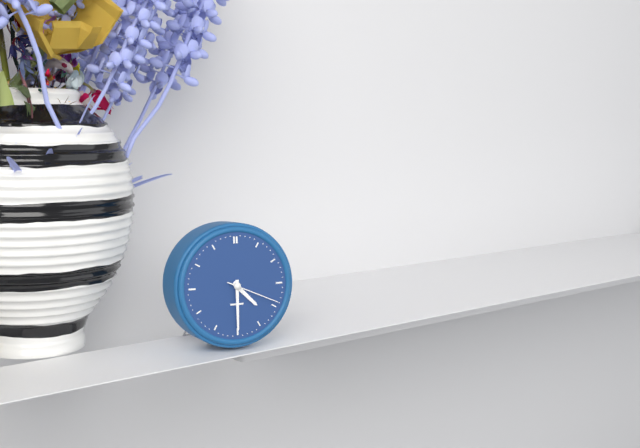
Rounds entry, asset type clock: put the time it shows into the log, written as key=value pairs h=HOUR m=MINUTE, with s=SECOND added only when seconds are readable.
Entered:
h=4 m=30 s=19
